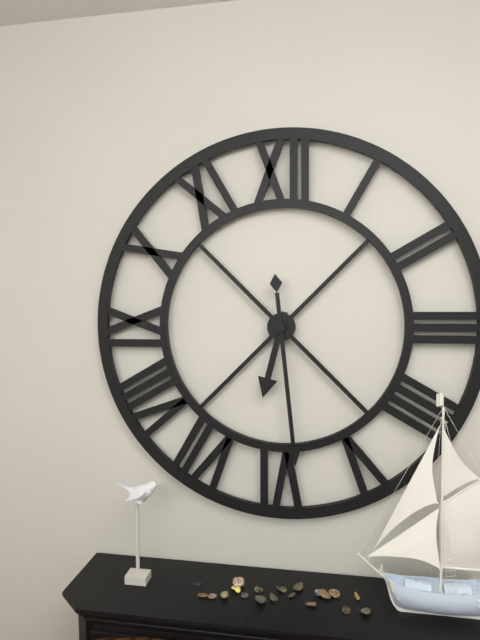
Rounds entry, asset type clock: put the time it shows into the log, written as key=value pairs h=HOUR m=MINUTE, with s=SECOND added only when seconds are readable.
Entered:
h=6 m=29
